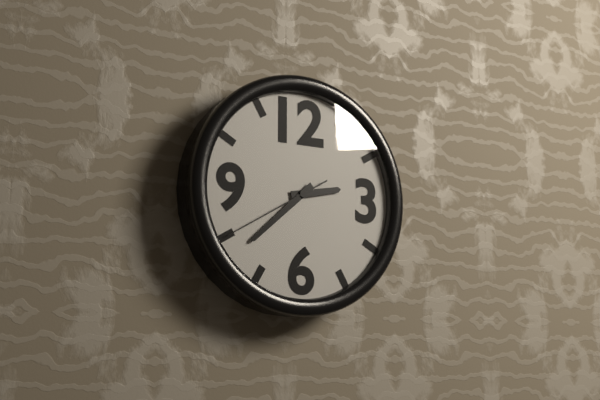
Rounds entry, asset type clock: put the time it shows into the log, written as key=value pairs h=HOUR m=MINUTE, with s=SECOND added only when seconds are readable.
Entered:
h=2 m=38 s=40
